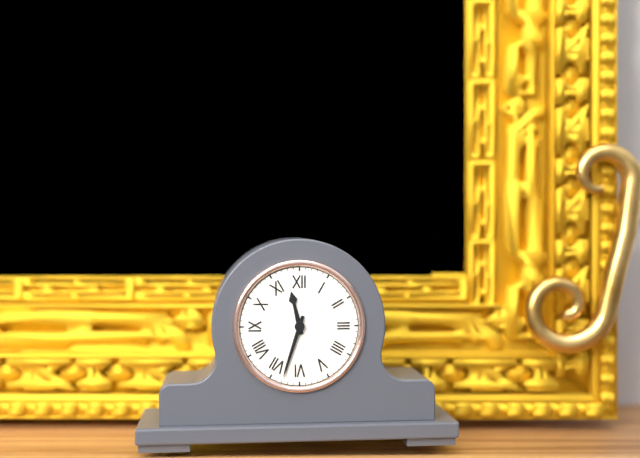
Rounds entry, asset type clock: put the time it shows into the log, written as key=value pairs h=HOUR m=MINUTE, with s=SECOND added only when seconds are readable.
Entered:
h=11 m=33
